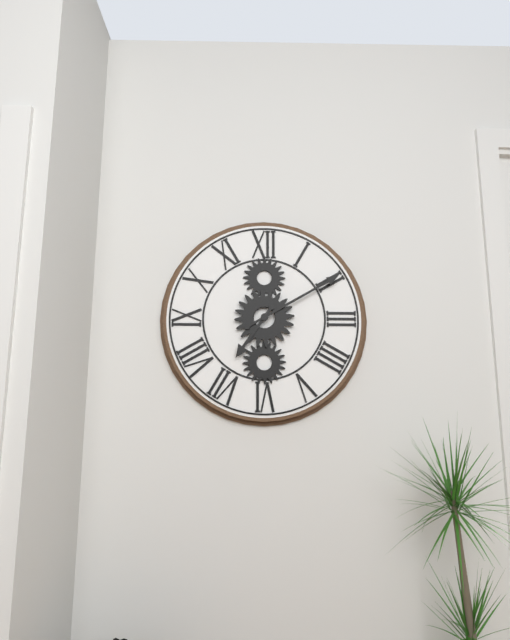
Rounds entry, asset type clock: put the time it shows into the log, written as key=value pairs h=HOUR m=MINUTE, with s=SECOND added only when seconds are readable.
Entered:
h=7 m=10
